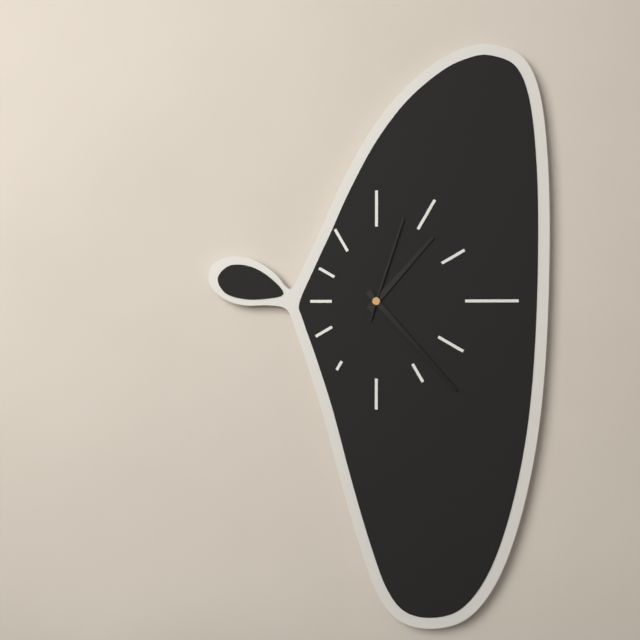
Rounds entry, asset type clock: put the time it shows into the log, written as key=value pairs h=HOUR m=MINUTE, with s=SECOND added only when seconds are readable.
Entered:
h=1 m=23 s=3
